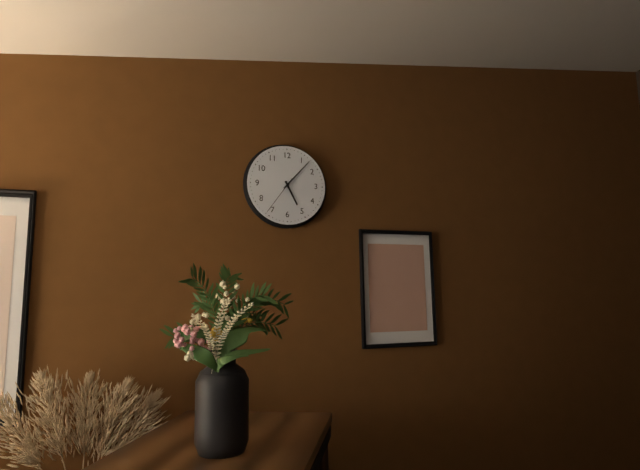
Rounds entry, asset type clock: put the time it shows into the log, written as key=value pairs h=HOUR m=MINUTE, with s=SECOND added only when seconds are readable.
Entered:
h=5 m=7
